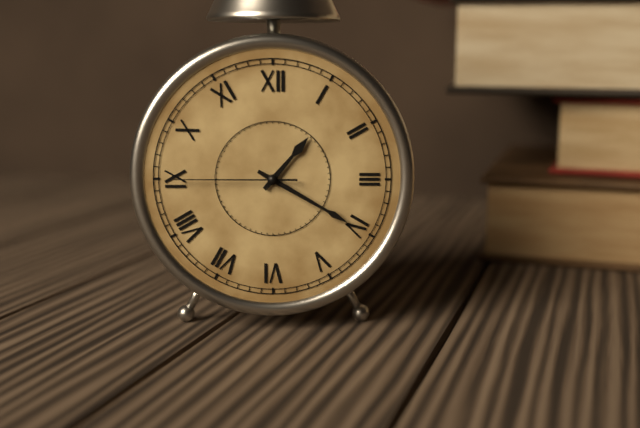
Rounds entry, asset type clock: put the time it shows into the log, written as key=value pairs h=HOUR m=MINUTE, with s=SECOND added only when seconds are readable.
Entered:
h=1 m=20 s=45
